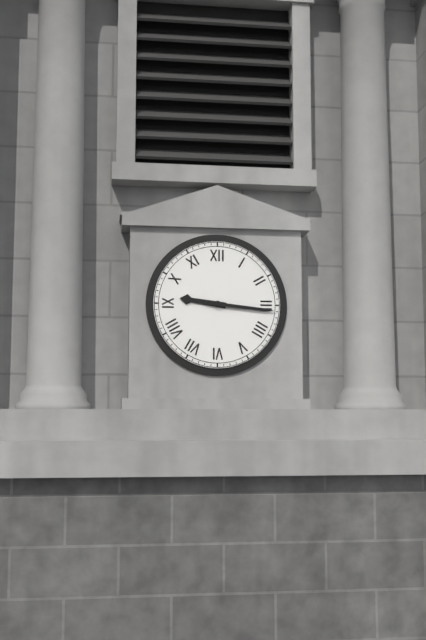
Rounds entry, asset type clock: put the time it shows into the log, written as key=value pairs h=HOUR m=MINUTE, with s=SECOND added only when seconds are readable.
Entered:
h=9 m=16
